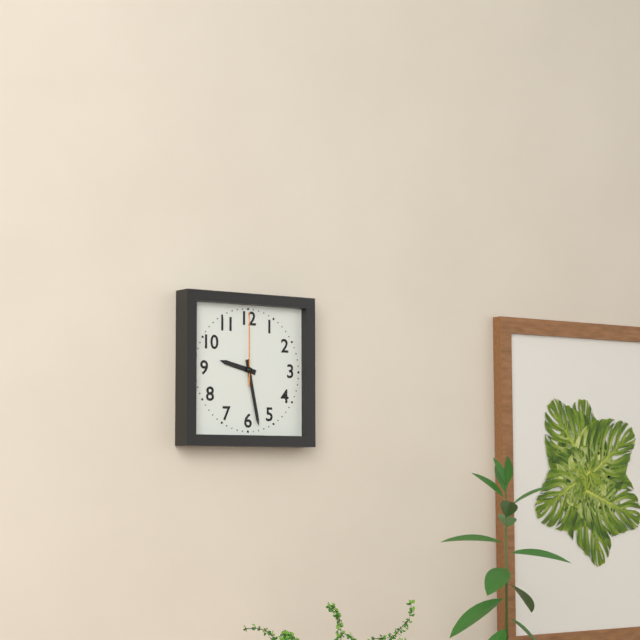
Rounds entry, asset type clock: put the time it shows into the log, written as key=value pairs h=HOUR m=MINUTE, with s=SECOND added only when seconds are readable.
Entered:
h=9 m=28 s=0
